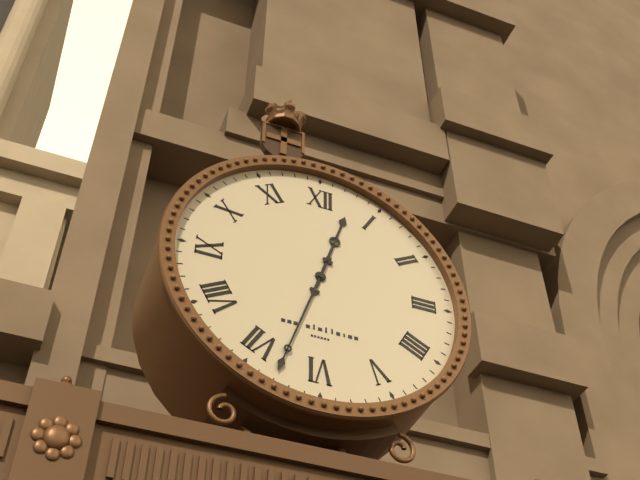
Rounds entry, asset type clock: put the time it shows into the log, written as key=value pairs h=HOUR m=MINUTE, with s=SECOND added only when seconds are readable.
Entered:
h=12 m=33
